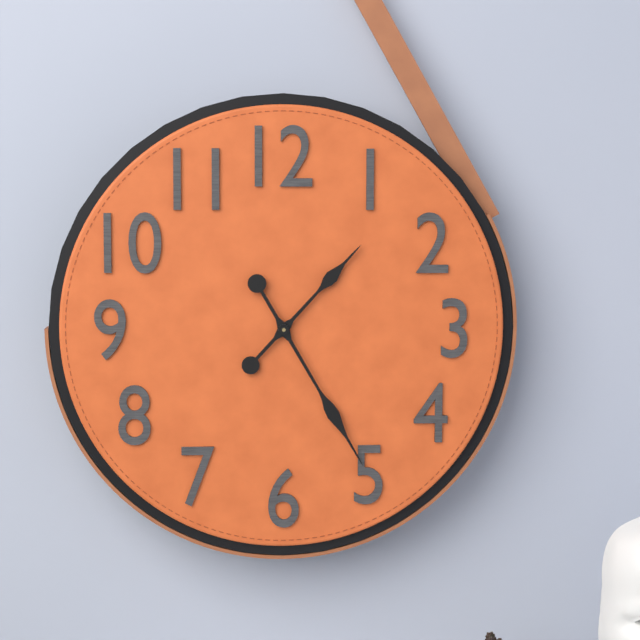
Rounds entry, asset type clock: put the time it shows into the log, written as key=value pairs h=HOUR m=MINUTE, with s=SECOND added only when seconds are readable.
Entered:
h=1 m=25
